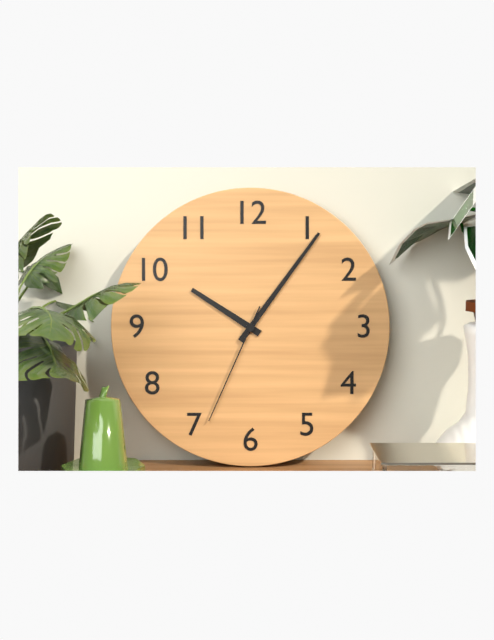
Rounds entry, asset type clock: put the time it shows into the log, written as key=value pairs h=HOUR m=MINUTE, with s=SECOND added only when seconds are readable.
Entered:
h=10 m=6 s=34
